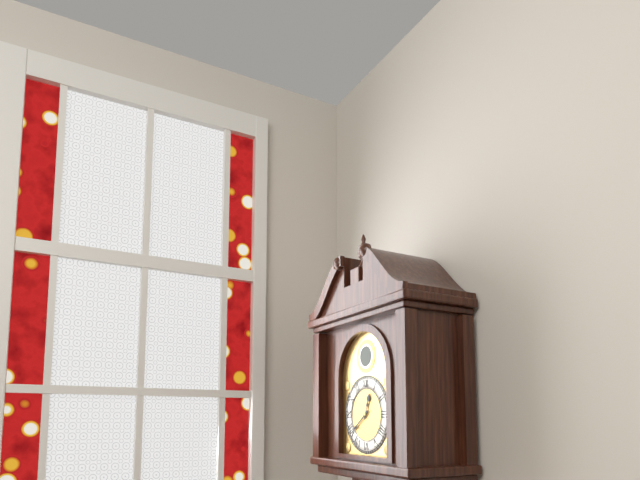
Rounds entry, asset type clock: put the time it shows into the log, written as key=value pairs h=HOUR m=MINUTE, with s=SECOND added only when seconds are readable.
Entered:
h=12 m=39
